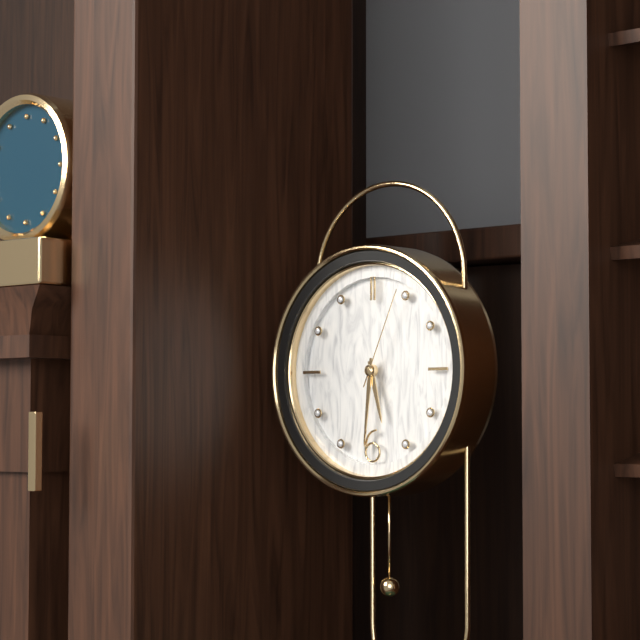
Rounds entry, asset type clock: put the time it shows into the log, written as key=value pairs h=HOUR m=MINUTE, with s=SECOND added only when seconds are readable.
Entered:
h=5 m=31 s=4
